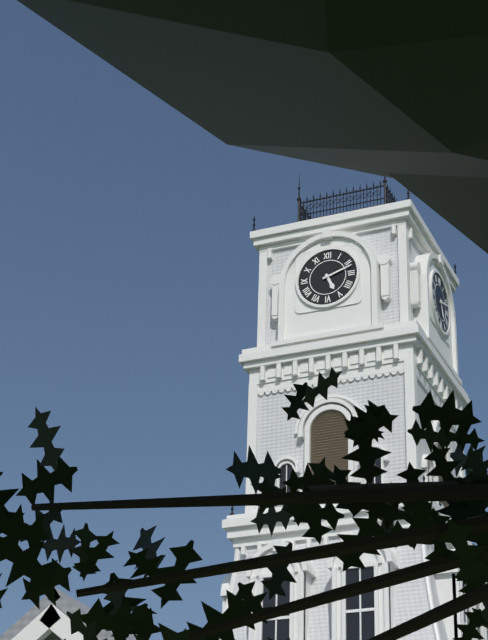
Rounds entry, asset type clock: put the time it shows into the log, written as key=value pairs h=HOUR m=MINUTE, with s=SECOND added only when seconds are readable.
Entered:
h=5 m=12
